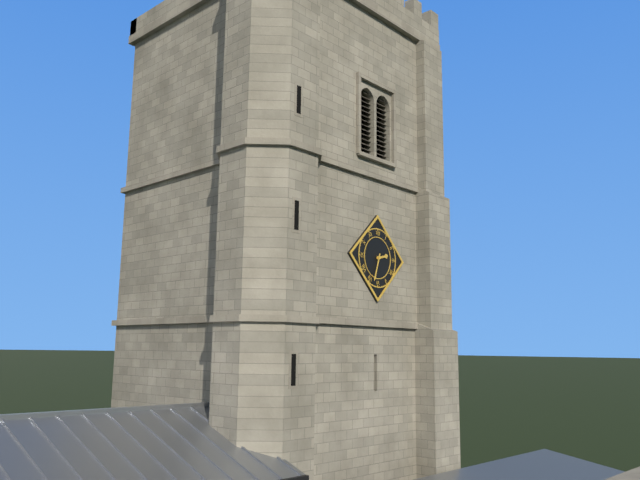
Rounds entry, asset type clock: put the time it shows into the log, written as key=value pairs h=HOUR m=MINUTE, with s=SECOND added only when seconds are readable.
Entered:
h=2 m=33
